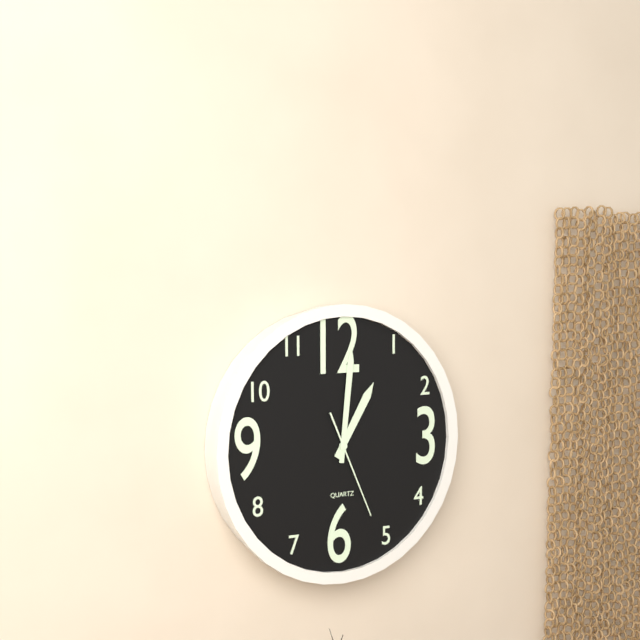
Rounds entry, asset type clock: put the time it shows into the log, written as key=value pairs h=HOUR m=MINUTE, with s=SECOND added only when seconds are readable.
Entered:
h=1 m=1 s=26
